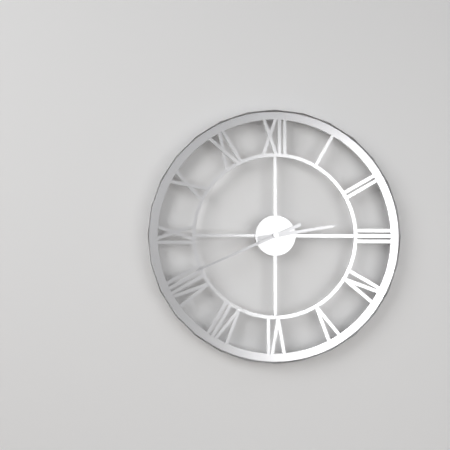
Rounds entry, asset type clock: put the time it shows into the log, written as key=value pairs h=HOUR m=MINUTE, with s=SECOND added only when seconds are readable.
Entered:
h=2 m=41
